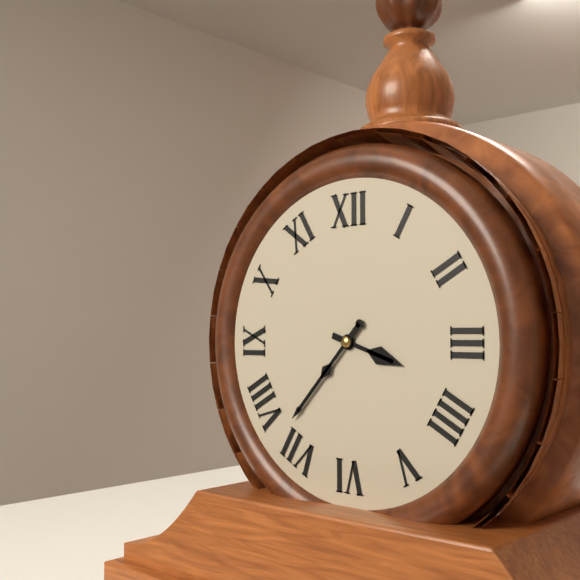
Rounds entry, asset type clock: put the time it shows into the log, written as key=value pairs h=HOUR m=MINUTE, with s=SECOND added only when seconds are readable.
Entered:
h=3 m=37
